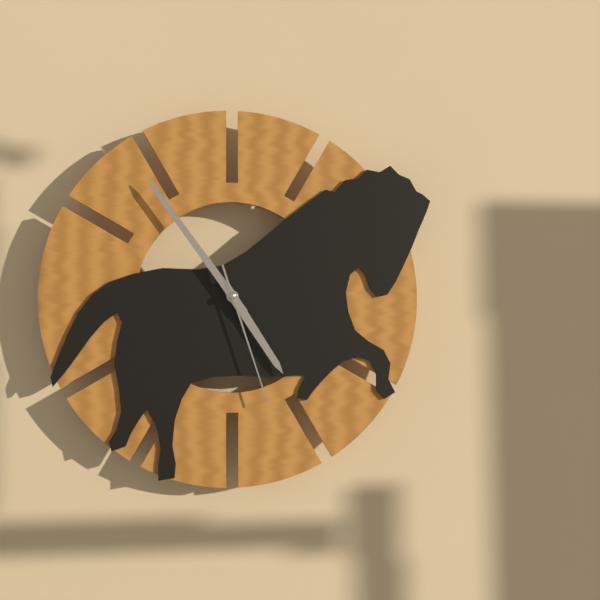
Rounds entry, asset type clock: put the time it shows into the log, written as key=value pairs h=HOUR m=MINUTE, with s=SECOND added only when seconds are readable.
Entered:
h=4 m=54 s=27
